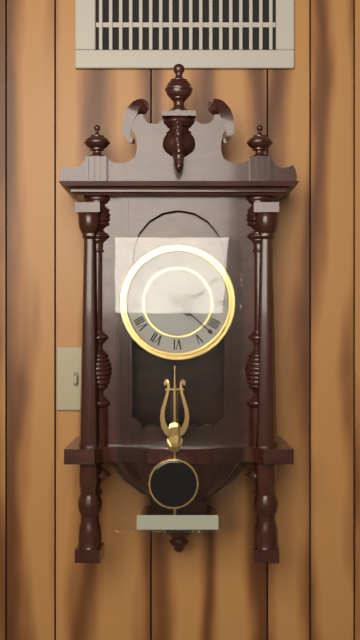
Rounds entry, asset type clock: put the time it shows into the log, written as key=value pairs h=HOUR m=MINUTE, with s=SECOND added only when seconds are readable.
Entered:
h=2 m=22
